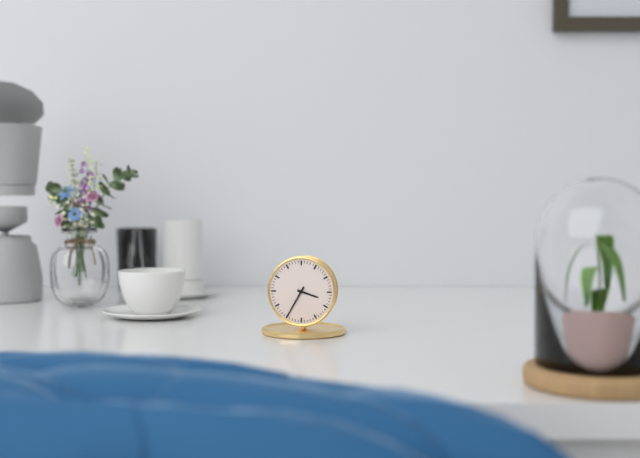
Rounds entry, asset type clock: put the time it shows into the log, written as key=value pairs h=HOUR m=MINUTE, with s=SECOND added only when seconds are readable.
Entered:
h=3 m=35
